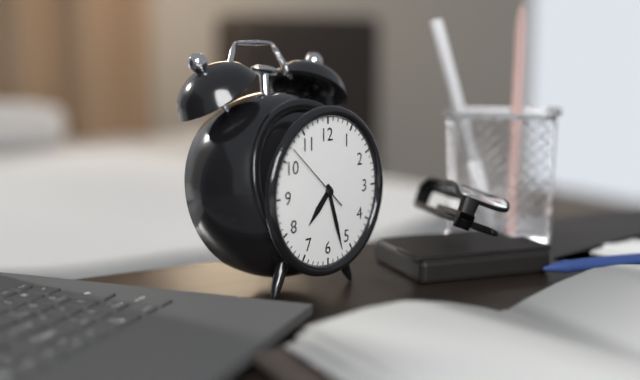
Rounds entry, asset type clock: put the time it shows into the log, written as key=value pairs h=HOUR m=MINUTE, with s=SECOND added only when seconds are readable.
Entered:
h=7 m=27 s=52
